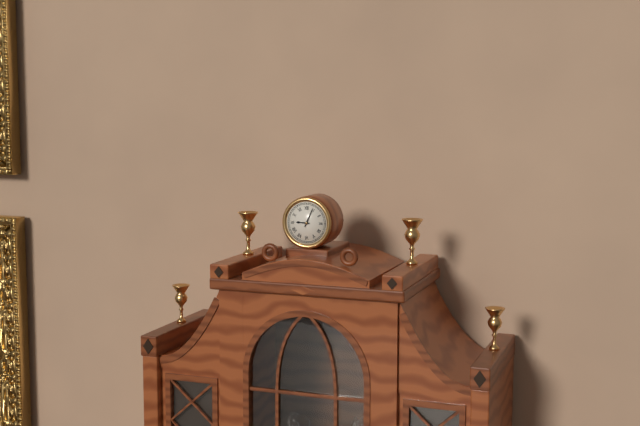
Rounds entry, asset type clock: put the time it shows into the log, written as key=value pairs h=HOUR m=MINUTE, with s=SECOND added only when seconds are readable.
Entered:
h=9 m=4
